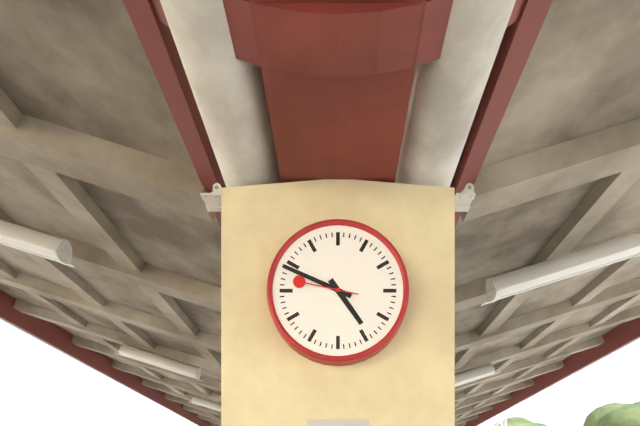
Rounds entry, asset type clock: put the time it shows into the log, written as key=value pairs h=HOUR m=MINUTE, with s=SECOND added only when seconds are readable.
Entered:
h=4 m=49 s=47
